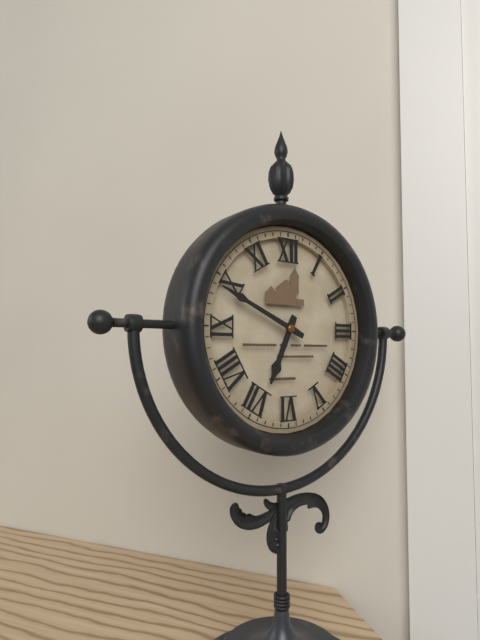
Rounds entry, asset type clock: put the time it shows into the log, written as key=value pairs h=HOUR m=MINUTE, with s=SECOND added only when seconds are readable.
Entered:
h=6 m=49
